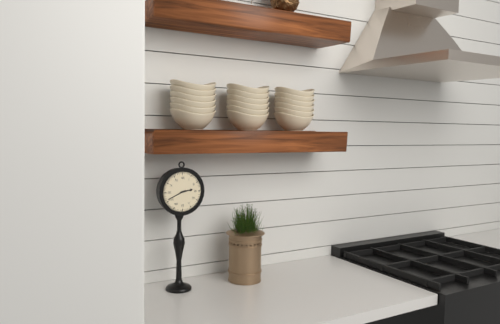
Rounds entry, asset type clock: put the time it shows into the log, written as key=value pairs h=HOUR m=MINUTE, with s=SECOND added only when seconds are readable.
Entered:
h=2 m=41
